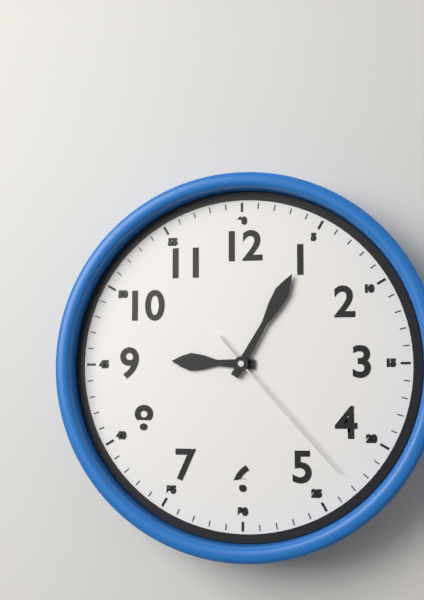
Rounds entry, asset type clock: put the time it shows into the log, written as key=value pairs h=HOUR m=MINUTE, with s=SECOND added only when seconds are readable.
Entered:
h=9 m=5 s=23
